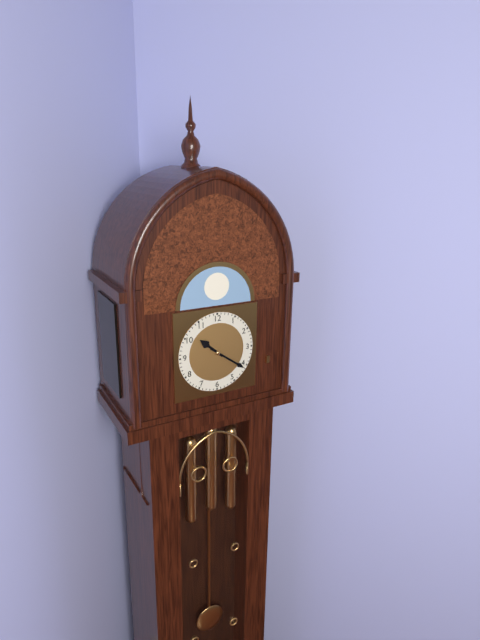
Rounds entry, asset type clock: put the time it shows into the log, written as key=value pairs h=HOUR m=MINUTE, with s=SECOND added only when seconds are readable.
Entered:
h=10 m=21
